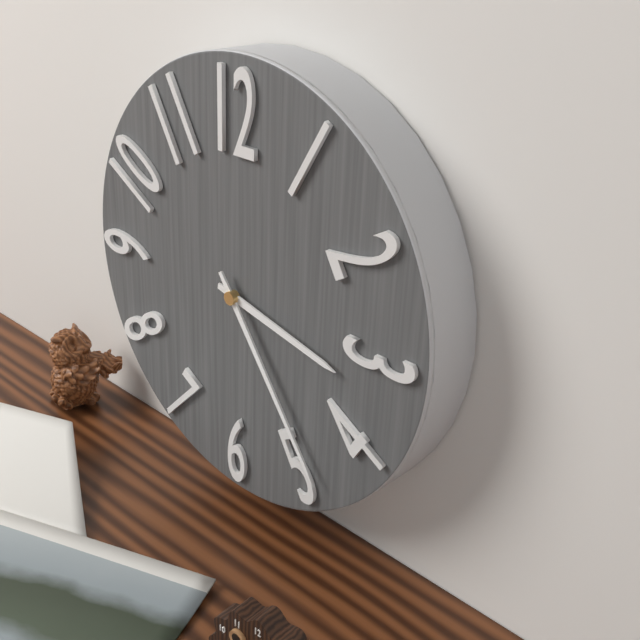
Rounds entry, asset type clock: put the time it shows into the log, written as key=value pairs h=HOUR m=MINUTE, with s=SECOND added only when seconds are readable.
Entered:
h=3 m=24
